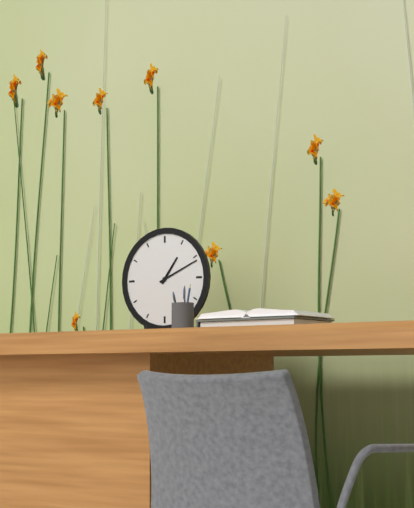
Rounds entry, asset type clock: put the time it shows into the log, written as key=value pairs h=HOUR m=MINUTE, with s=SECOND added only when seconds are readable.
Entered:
h=1 m=11
